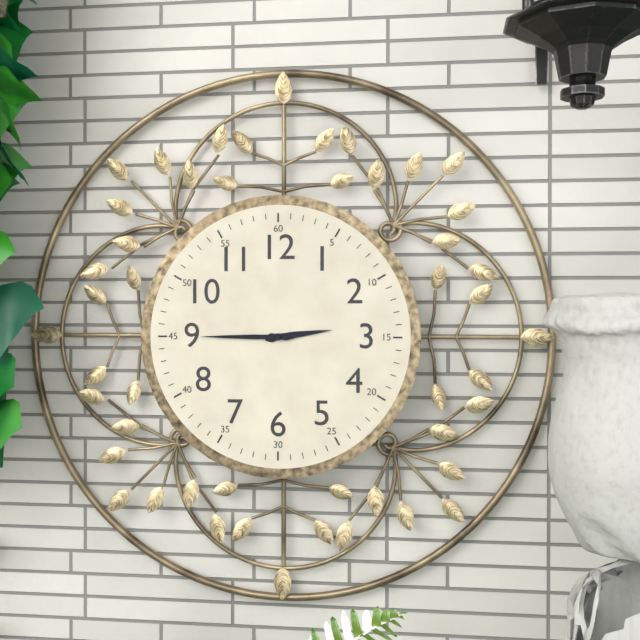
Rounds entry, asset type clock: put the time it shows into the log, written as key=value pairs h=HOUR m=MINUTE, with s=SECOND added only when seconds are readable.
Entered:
h=2 m=45
